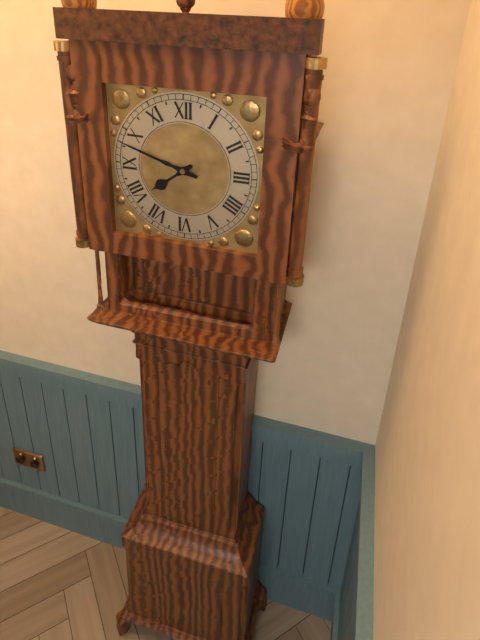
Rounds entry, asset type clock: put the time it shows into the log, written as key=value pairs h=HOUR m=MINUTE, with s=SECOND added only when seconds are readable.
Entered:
h=7 m=48
